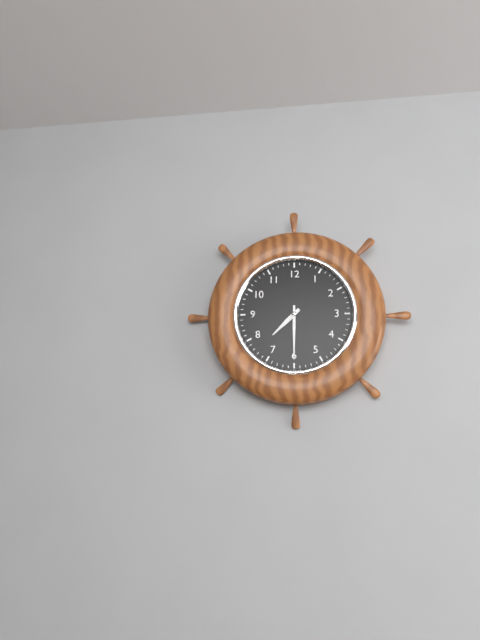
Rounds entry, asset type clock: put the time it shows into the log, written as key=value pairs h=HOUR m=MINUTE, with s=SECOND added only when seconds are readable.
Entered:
h=7 m=30
